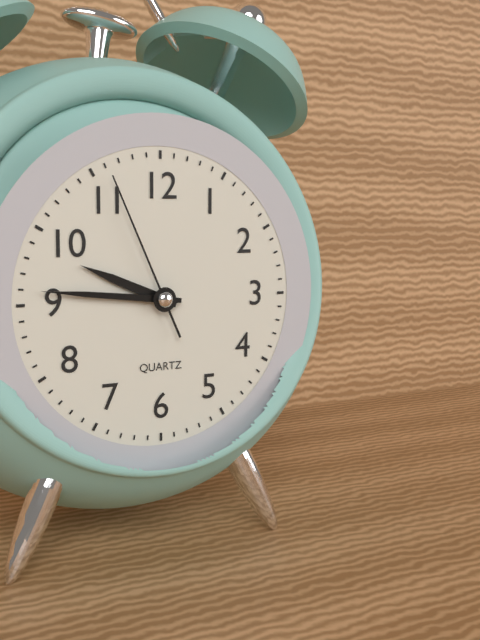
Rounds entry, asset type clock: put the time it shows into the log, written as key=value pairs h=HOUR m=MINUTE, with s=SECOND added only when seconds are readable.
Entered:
h=9 m=46 s=56
